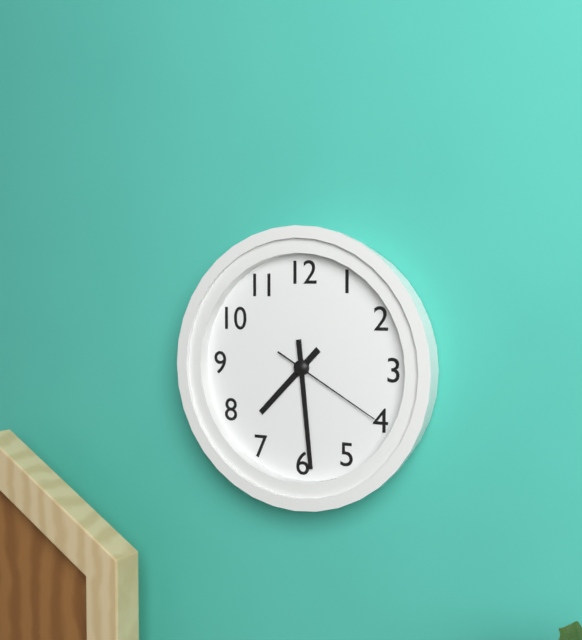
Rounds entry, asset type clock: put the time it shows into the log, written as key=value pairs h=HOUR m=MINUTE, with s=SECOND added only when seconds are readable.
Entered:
h=7 m=29 s=20
